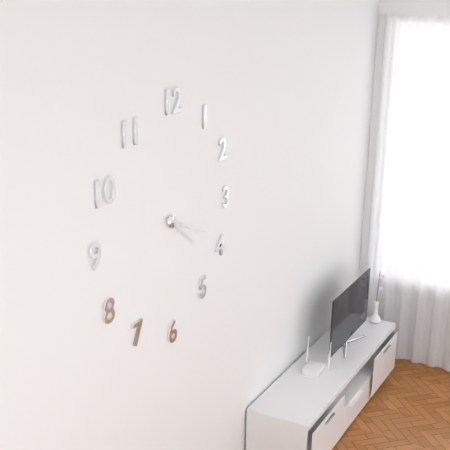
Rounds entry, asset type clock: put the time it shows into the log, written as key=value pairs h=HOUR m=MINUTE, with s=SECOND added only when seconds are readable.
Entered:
h=4 m=19
